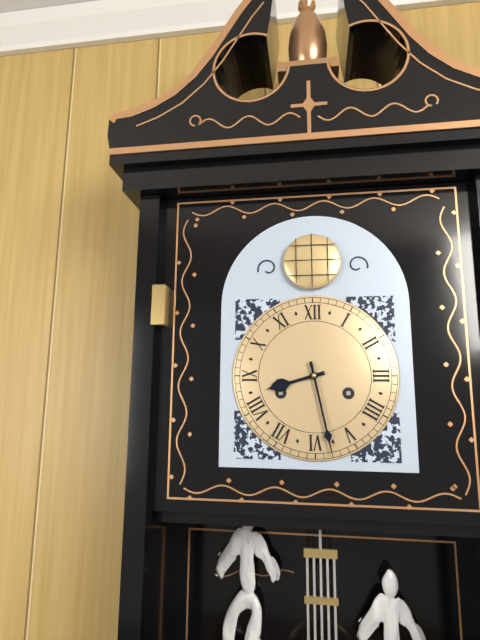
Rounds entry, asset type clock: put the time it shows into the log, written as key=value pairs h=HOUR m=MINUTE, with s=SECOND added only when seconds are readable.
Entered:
h=8 m=28
